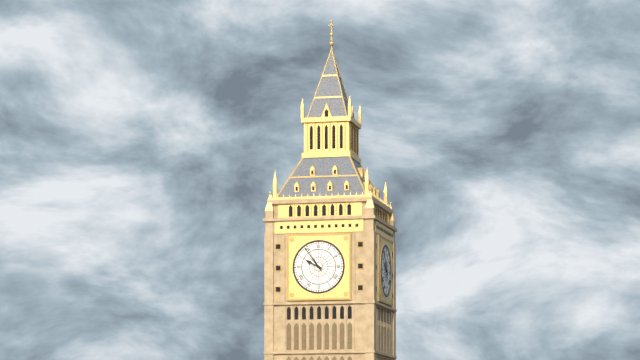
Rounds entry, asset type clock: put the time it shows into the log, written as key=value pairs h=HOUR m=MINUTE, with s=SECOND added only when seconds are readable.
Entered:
h=9 m=54
